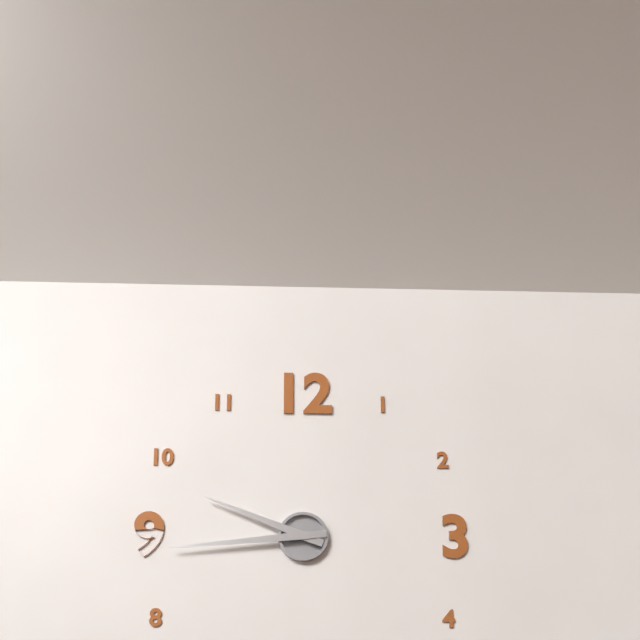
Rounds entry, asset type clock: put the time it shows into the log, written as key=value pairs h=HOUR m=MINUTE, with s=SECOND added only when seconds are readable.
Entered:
h=9 m=44
